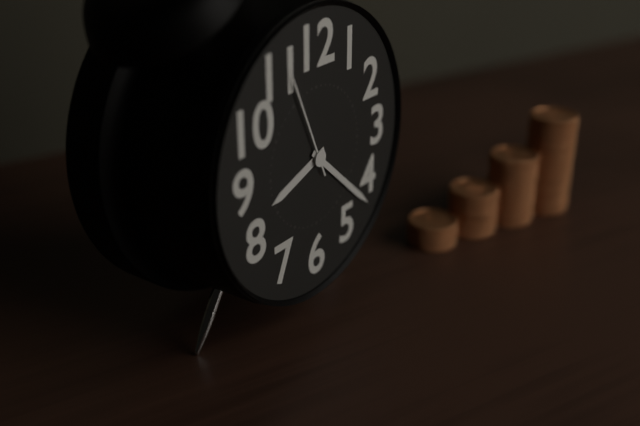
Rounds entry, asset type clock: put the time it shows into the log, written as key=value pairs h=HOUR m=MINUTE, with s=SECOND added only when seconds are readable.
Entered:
h=8 m=22 s=56
